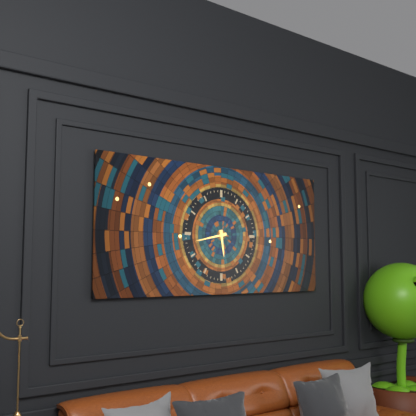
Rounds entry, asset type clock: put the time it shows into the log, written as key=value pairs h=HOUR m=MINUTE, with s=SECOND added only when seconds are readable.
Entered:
h=5 m=43
